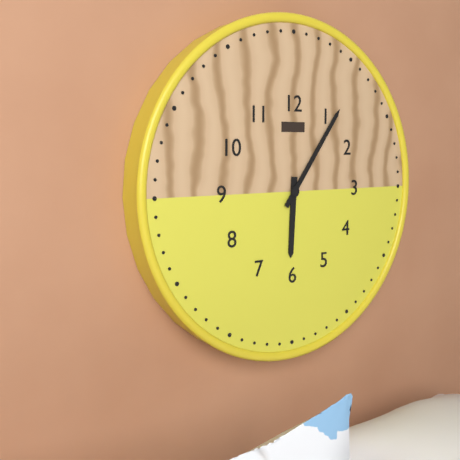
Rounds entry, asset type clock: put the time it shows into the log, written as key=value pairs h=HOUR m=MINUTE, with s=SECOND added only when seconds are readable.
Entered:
h=6 m=6
